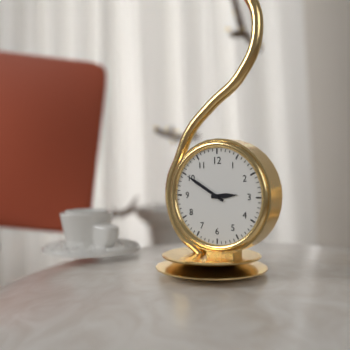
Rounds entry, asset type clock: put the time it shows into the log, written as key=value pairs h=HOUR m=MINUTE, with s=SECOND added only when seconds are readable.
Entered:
h=2 m=50
